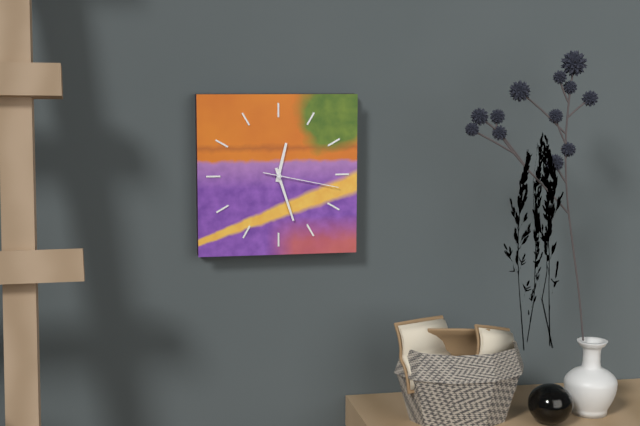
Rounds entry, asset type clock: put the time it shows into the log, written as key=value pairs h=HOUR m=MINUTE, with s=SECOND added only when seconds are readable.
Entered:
h=12 m=27 s=17
